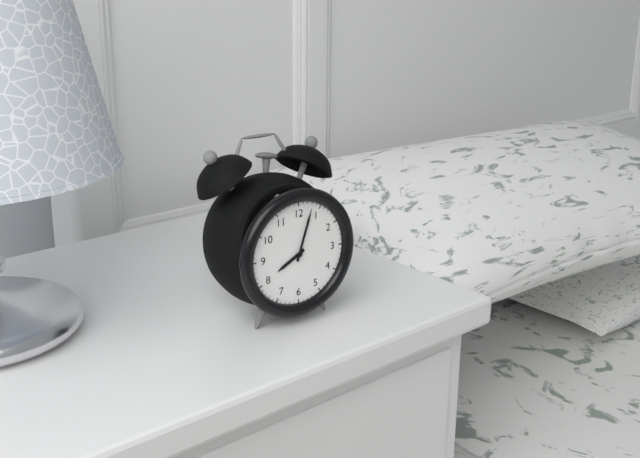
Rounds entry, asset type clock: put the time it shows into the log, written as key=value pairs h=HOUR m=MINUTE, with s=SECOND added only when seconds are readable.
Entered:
h=8 m=3
